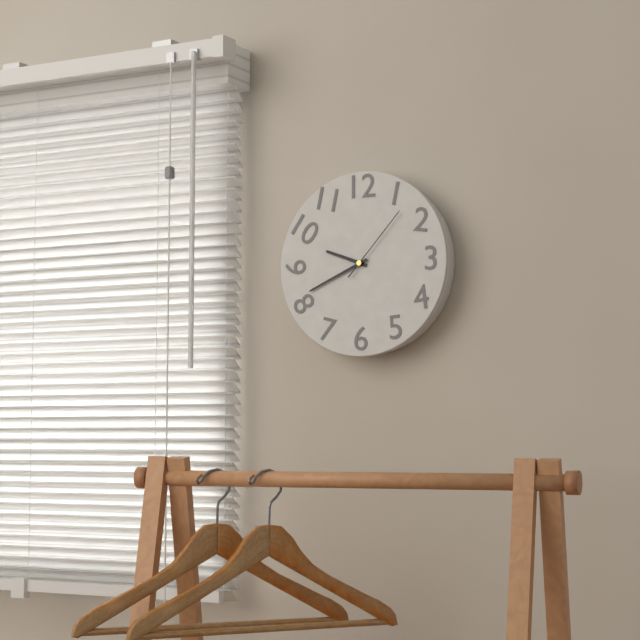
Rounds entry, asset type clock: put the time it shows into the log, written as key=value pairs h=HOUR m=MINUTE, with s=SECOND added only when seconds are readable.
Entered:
h=9 m=41 s=7
